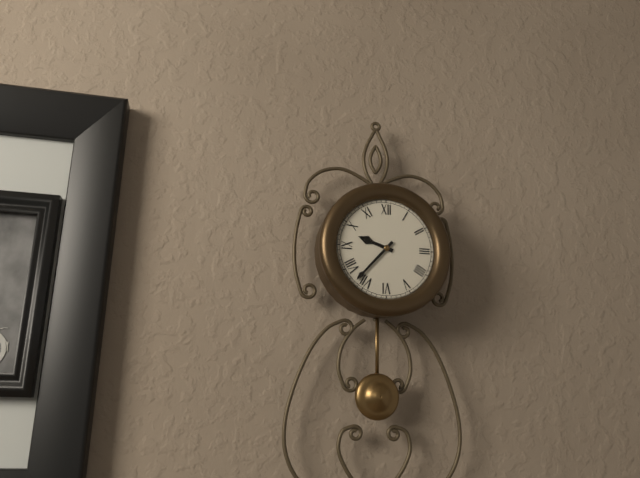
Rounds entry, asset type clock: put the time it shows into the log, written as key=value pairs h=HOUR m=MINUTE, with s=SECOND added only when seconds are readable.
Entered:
h=9 m=37
